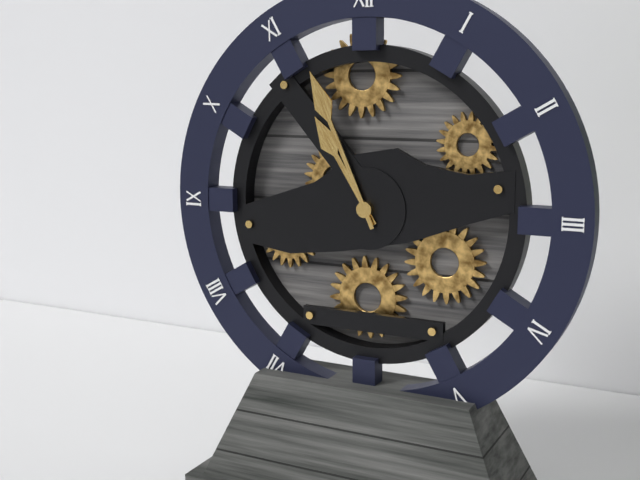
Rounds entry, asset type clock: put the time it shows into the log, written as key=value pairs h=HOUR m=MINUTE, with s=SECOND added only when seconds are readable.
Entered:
h=10 m=56
